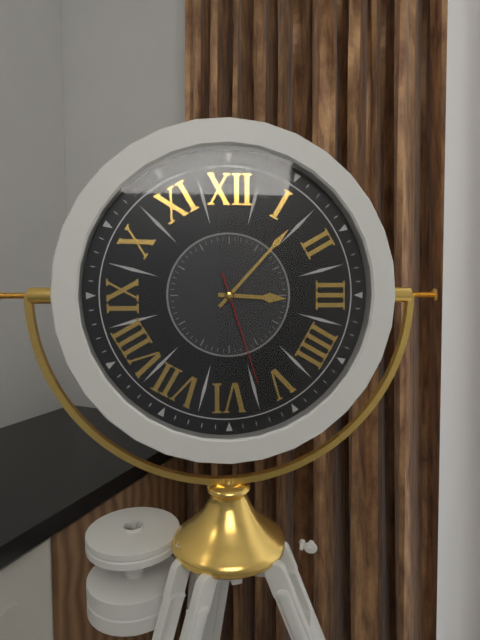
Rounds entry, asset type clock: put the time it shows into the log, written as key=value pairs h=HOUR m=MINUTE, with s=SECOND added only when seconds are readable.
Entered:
h=3 m=7 s=27
